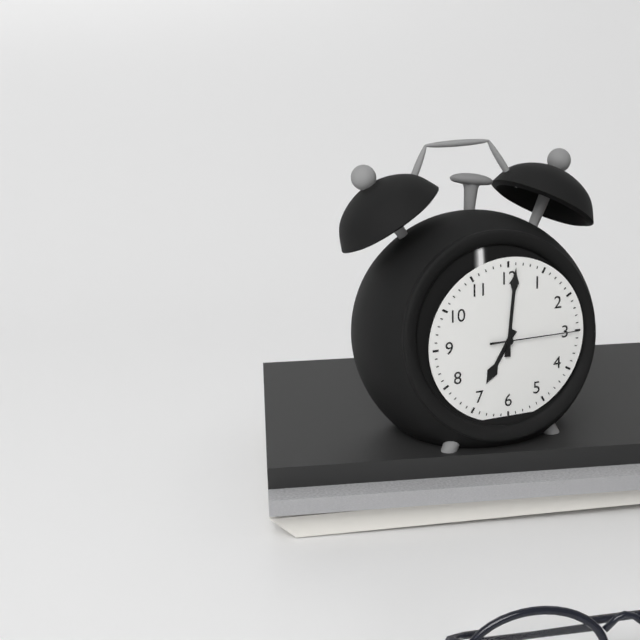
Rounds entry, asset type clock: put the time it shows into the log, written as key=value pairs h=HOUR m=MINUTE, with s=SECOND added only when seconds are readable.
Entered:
h=7 m=1 s=15
